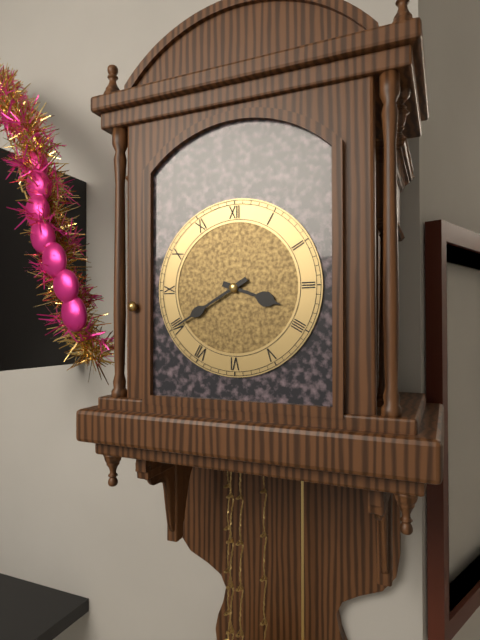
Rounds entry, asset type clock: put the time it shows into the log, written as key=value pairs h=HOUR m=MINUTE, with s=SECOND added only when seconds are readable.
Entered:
h=3 m=40
